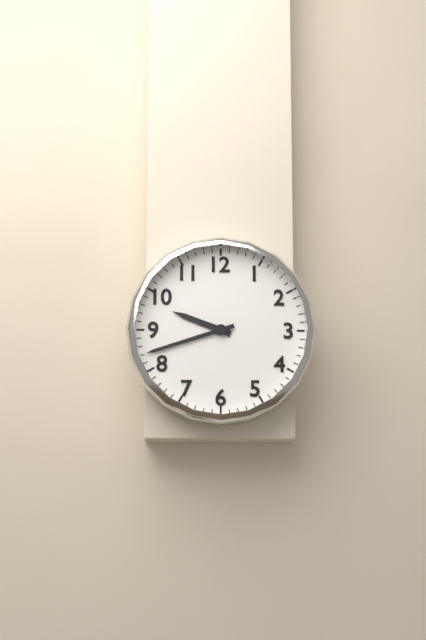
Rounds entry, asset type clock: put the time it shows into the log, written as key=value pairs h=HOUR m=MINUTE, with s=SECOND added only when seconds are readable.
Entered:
h=9 m=42
